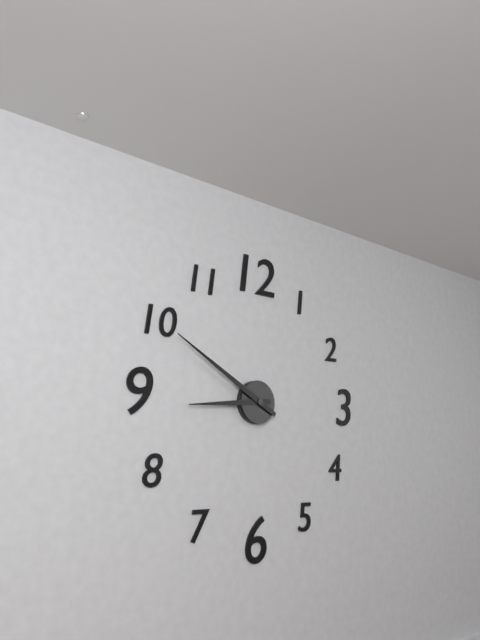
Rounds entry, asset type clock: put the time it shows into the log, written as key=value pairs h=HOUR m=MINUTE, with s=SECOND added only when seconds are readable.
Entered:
h=8 m=50
